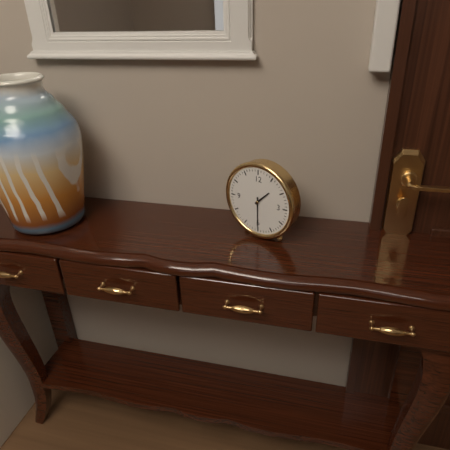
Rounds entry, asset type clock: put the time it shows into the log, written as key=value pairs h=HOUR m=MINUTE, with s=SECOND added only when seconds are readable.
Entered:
h=1 m=30
